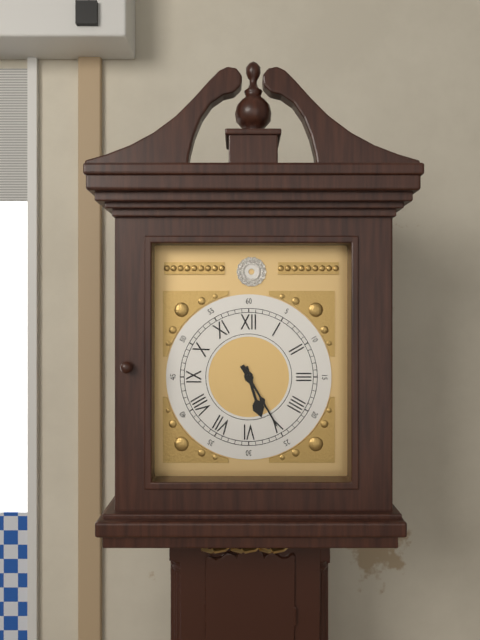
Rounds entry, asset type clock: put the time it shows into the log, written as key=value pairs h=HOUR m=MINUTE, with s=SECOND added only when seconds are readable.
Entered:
h=5 m=25
